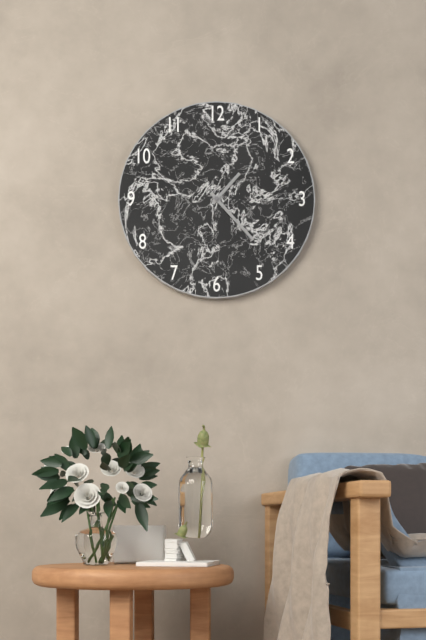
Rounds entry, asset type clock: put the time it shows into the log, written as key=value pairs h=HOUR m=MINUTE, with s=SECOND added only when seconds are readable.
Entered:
h=1 m=23
